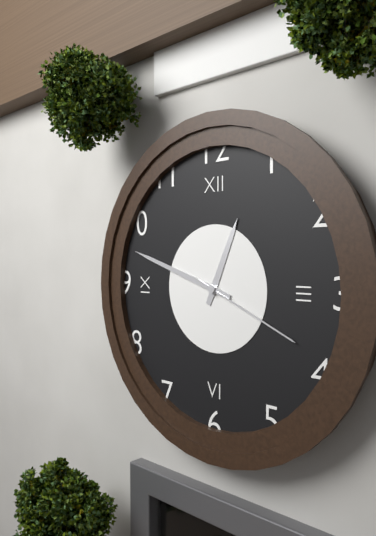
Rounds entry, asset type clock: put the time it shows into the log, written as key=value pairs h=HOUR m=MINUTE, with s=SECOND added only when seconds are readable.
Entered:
h=12 m=48 s=19
